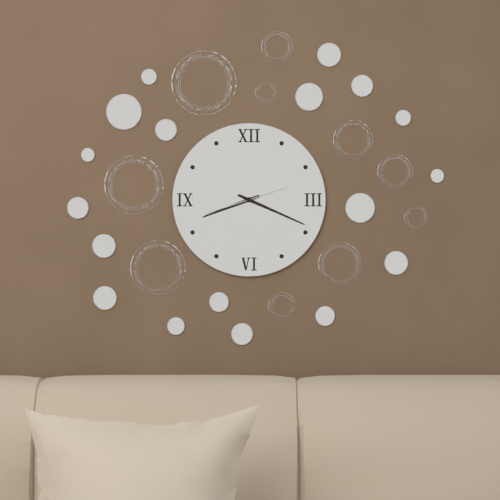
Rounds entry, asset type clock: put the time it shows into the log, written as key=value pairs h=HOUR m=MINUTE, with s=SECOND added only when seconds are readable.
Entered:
h=8 m=19 s=42
